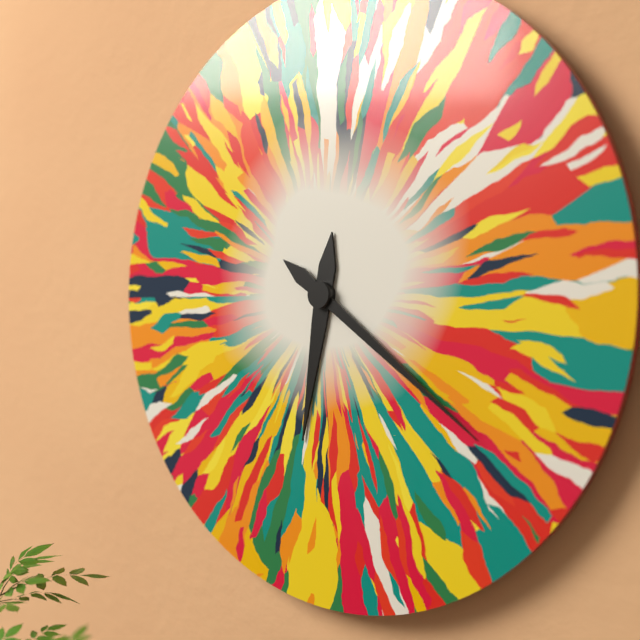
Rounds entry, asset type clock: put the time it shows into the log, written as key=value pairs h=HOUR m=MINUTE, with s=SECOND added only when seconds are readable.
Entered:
h=6 m=21
